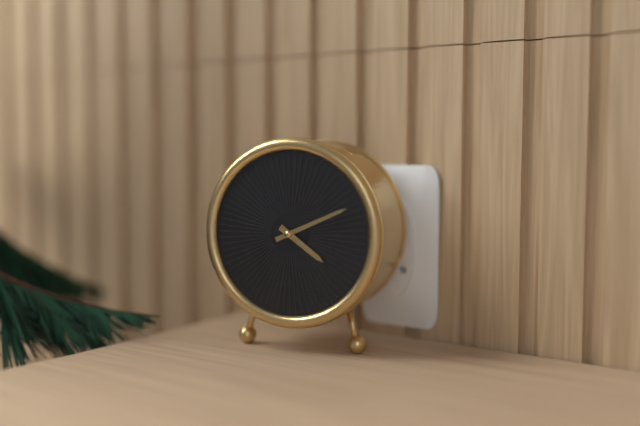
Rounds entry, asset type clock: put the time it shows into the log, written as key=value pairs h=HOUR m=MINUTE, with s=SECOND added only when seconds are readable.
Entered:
h=4 m=11
